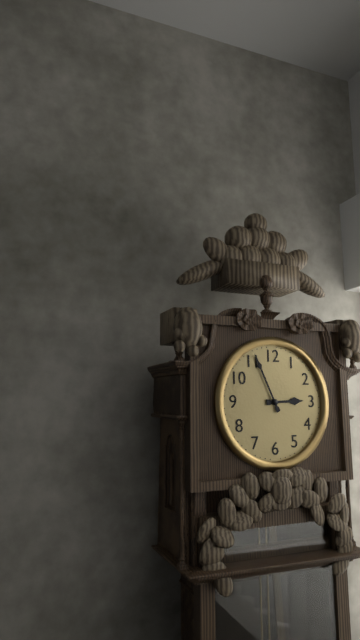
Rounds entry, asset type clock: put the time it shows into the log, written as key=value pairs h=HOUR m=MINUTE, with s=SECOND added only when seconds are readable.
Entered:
h=2 m=56
